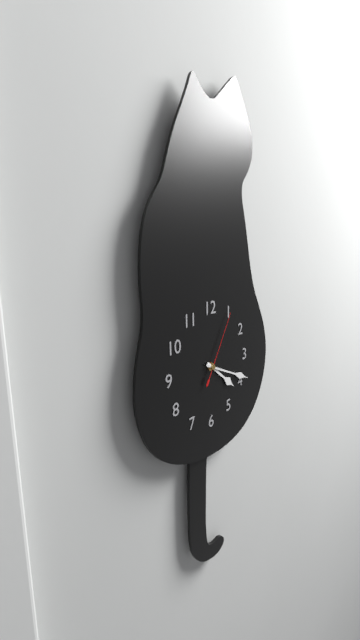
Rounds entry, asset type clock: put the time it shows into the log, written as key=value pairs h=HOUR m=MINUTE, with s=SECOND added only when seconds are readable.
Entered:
h=4 m=19 s=5
